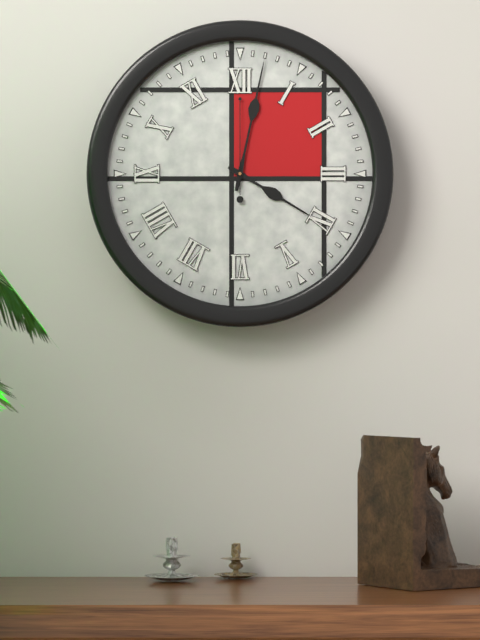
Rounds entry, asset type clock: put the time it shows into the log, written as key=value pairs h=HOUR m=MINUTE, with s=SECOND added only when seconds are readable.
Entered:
h=4 m=2 s=0
